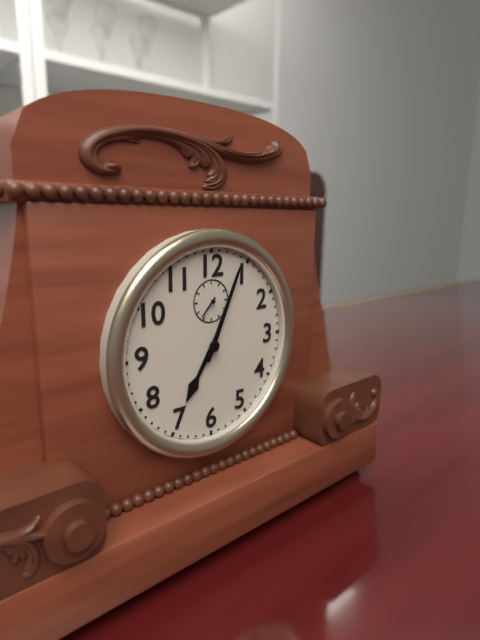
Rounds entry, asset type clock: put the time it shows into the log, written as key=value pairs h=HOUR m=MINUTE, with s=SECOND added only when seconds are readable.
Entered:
h=7 m=4
